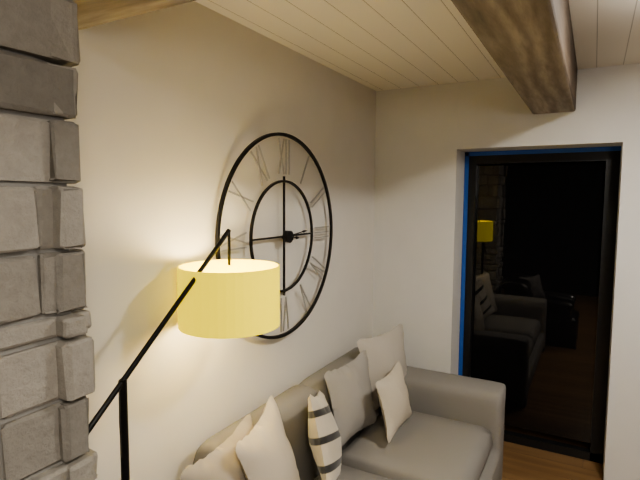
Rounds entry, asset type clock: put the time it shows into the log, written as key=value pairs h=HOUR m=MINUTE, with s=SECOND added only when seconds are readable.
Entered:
h=3 m=14
